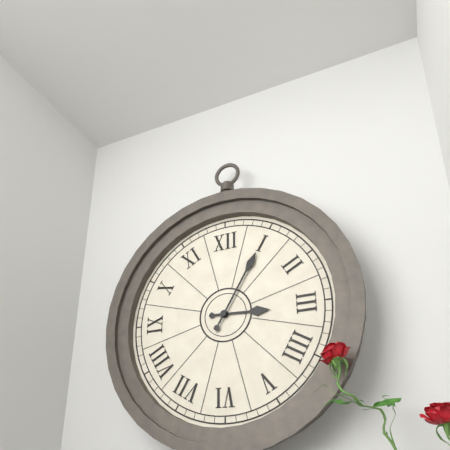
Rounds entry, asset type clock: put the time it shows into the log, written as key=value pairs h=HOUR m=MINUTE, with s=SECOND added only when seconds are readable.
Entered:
h=3 m=5
